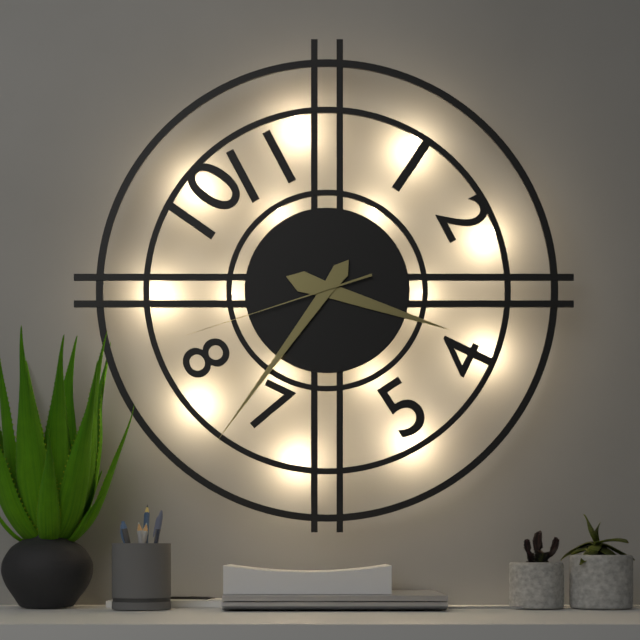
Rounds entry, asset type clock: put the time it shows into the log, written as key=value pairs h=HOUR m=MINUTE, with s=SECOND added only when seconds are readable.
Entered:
h=3 m=36 s=42
